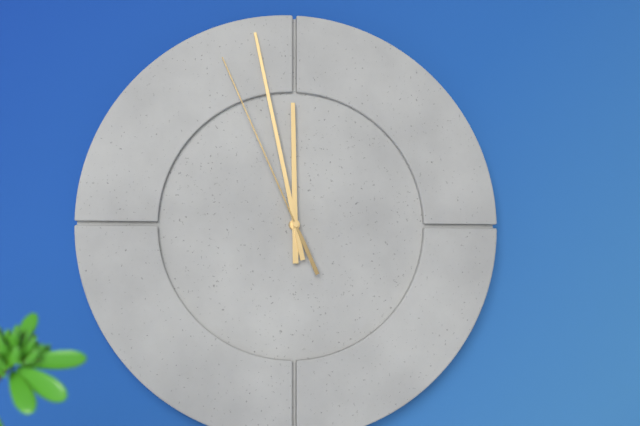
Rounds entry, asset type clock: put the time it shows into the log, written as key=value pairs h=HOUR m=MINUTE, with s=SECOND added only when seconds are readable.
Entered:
h=11 m=58 s=56
